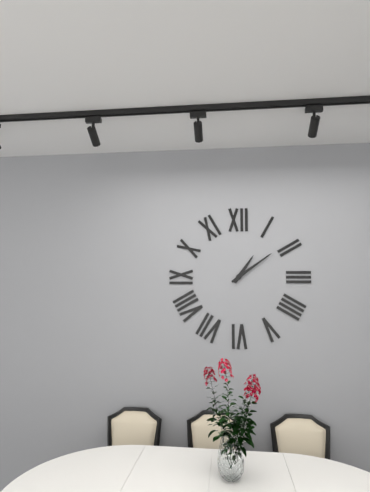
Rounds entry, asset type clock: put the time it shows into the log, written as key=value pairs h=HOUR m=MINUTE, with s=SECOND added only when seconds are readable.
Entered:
h=1 m=9
